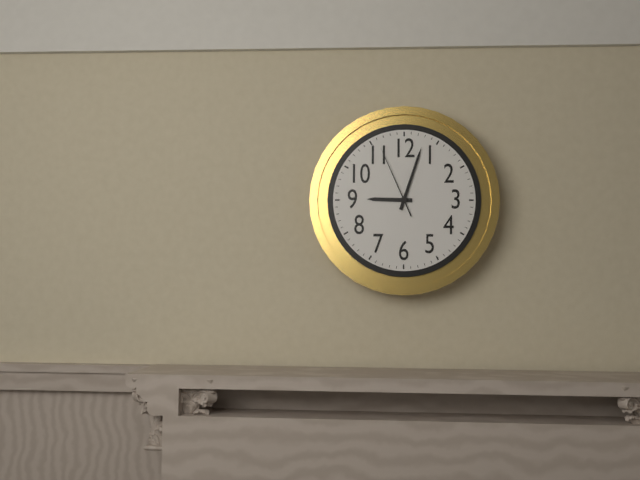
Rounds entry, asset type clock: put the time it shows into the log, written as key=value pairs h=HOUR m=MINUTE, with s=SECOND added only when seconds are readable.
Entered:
h=9 m=3 s=56
